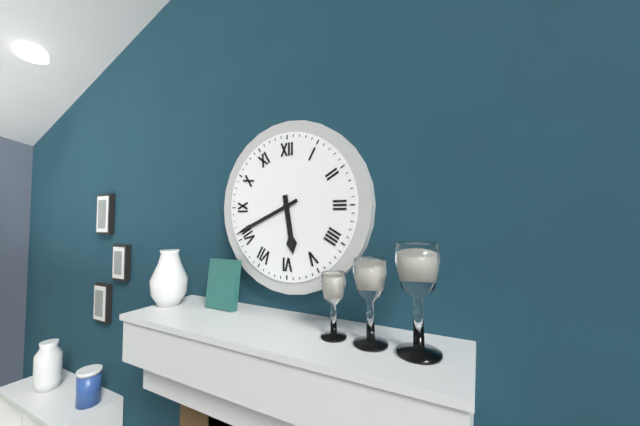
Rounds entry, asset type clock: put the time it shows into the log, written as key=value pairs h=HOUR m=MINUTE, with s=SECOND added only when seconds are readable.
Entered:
h=5 m=41
